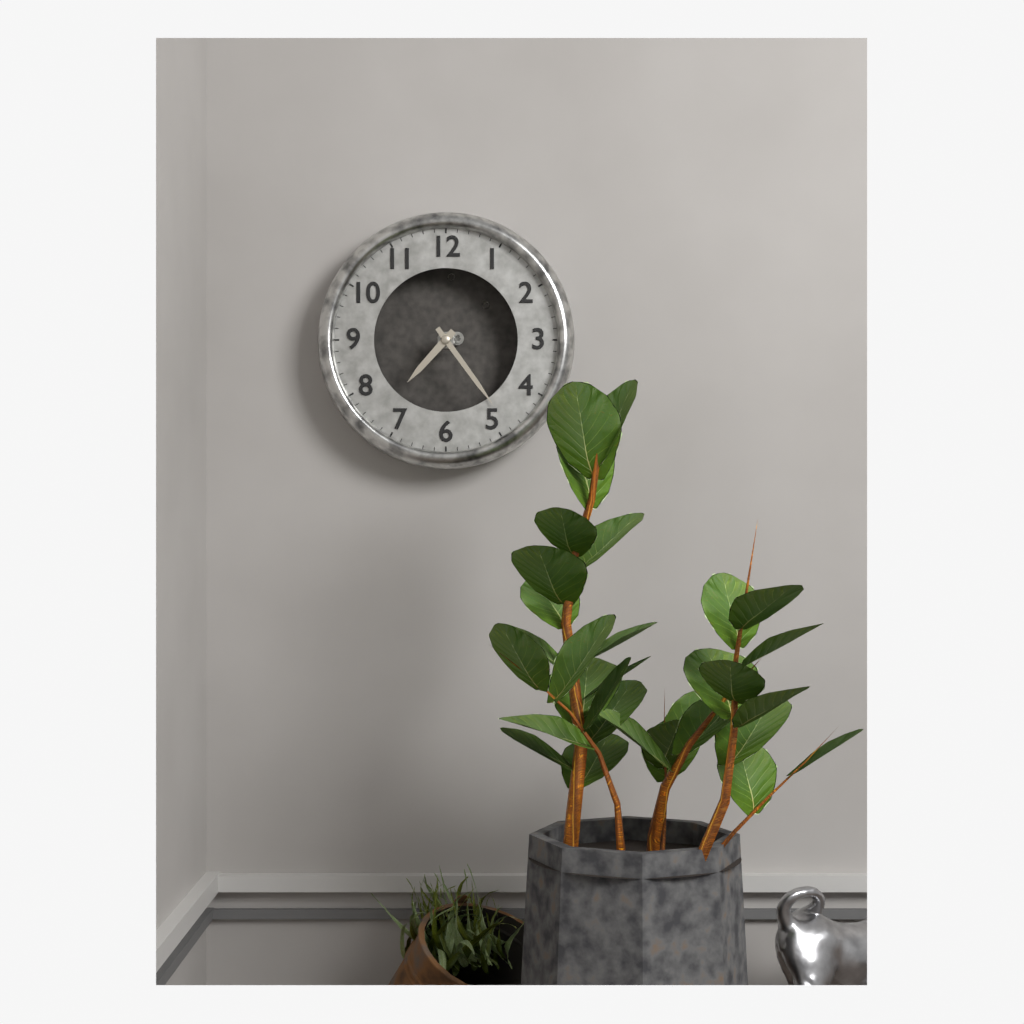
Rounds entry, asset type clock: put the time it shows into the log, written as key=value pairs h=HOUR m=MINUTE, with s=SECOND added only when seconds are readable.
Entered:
h=7 m=24
